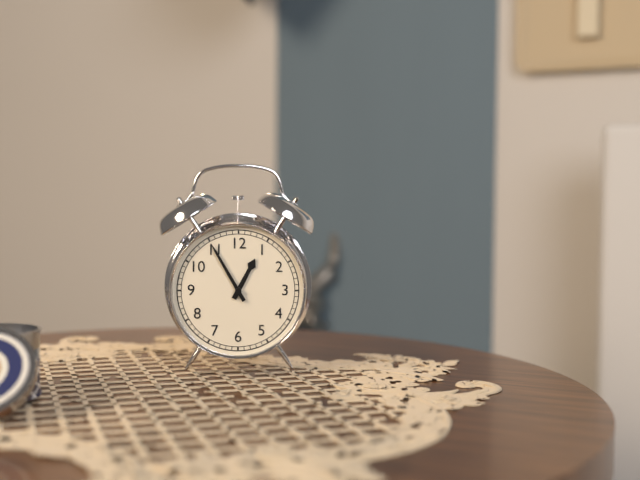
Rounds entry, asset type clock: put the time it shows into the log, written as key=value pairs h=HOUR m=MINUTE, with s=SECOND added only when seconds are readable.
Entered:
h=12 m=55
